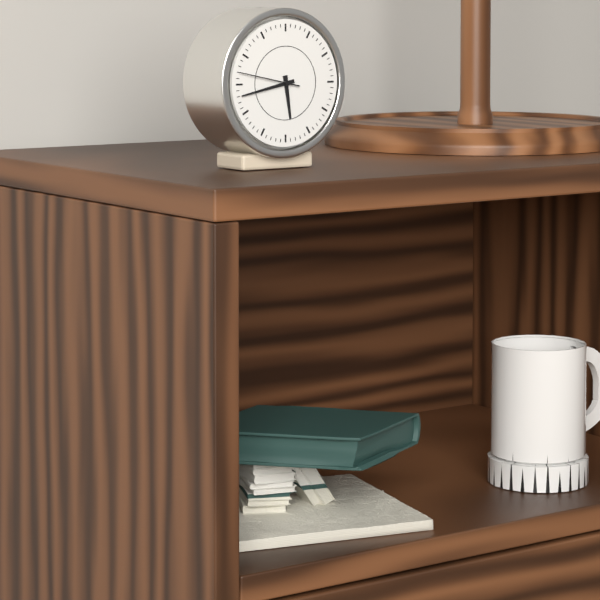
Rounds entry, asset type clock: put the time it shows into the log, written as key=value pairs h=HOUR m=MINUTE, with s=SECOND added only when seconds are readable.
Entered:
h=5 m=43 s=47
